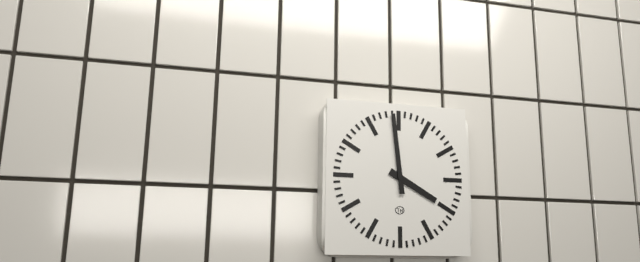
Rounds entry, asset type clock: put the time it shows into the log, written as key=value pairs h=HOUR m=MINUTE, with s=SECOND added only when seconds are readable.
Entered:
h=3 m=59
